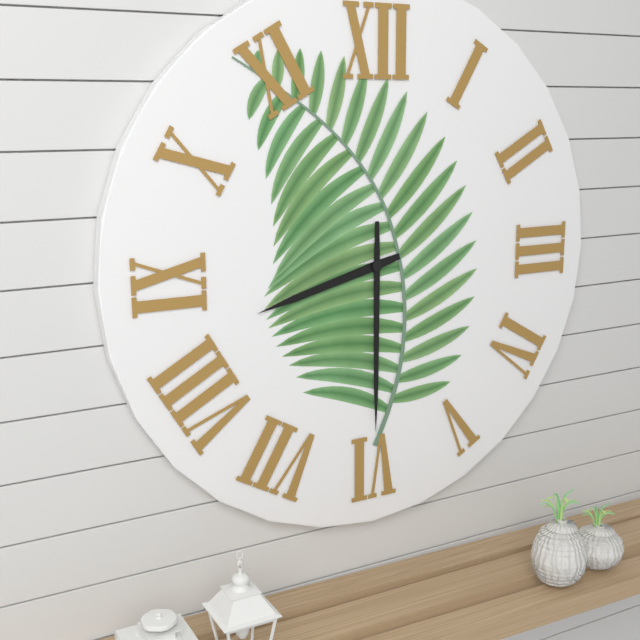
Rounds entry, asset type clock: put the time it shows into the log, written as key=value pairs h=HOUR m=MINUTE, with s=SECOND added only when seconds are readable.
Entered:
h=8 m=30
